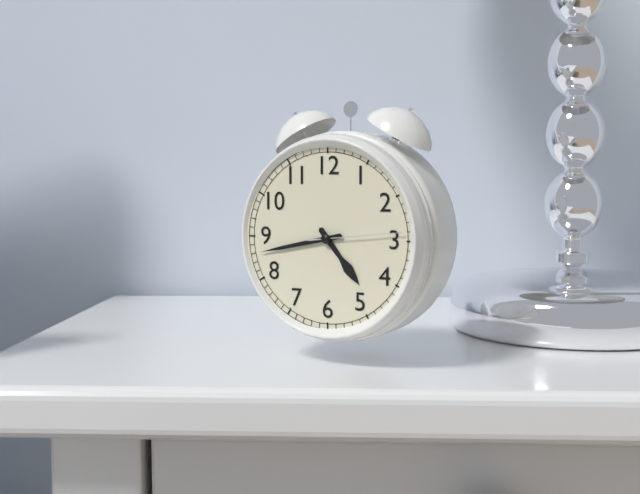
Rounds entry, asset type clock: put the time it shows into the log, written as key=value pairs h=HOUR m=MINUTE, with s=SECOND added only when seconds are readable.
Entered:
h=4 m=43 s=14
